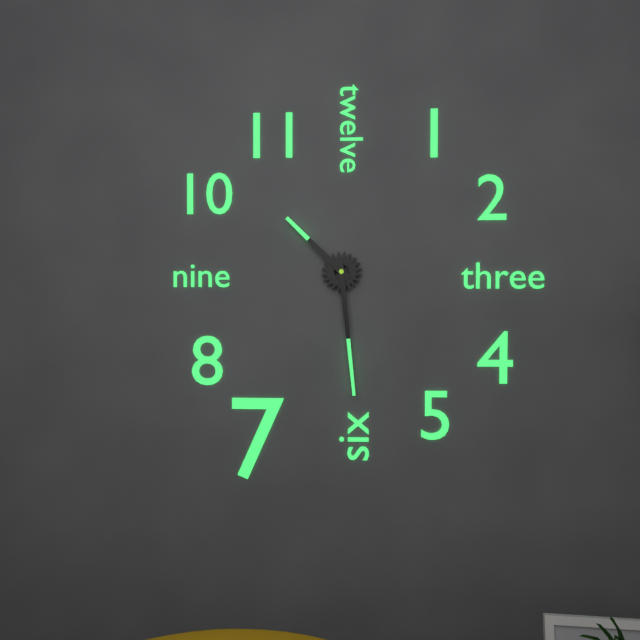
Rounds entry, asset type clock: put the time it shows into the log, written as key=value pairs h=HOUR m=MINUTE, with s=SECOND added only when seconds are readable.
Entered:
h=10 m=29
